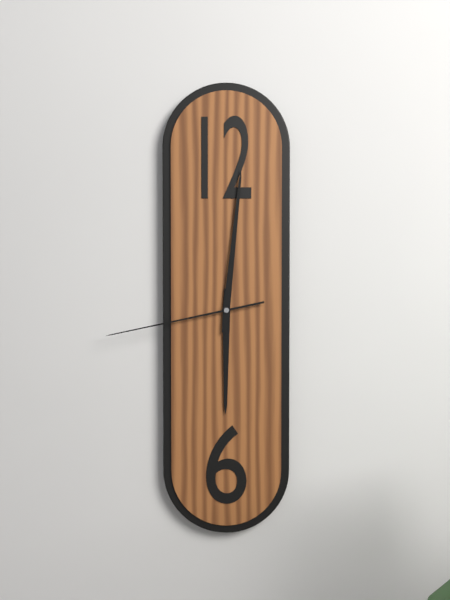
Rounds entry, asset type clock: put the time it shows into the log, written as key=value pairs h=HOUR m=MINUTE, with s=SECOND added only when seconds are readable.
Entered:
h=6 m=1 s=43
